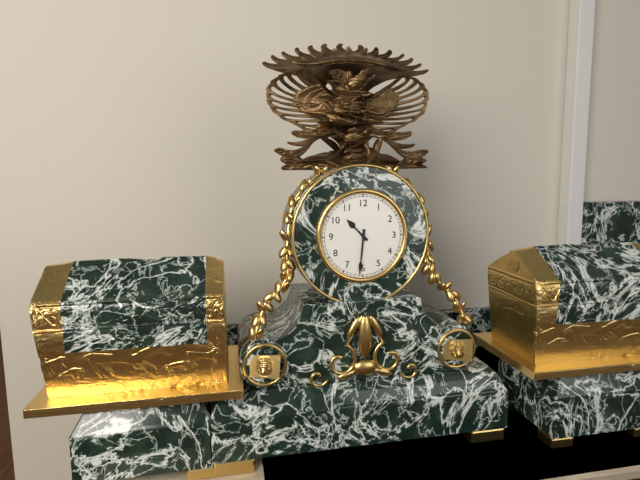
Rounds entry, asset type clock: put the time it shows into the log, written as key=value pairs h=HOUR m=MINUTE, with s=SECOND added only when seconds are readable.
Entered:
h=10 m=31
